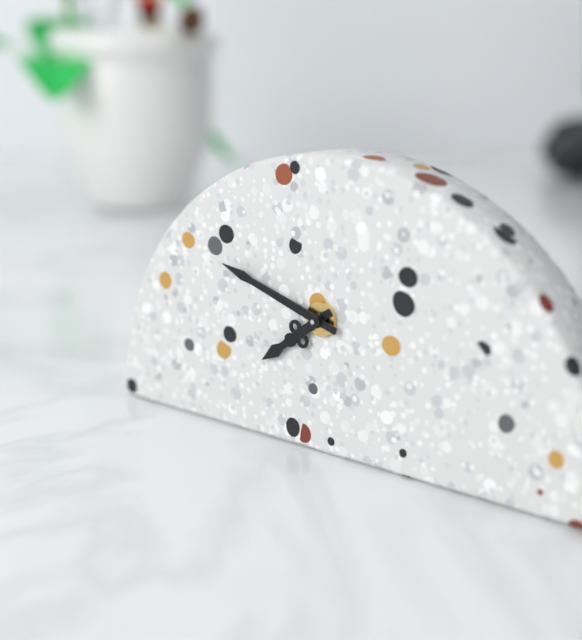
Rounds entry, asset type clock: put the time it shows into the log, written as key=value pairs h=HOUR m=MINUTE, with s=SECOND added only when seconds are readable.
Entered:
h=7 m=48
